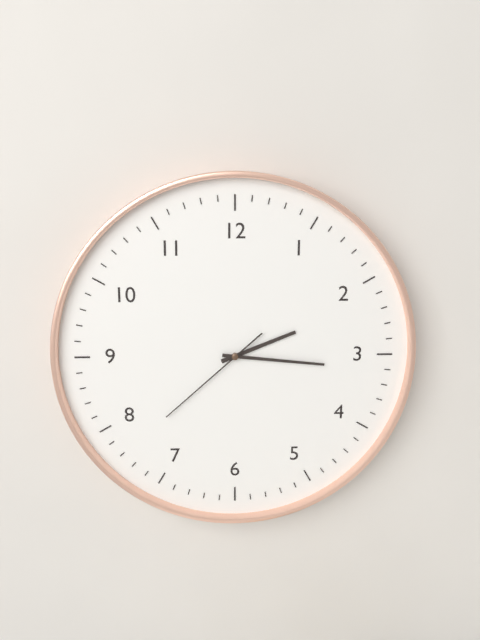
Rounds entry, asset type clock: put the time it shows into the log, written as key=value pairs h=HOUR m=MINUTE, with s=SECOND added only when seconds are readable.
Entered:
h=2 m=16 s=38
